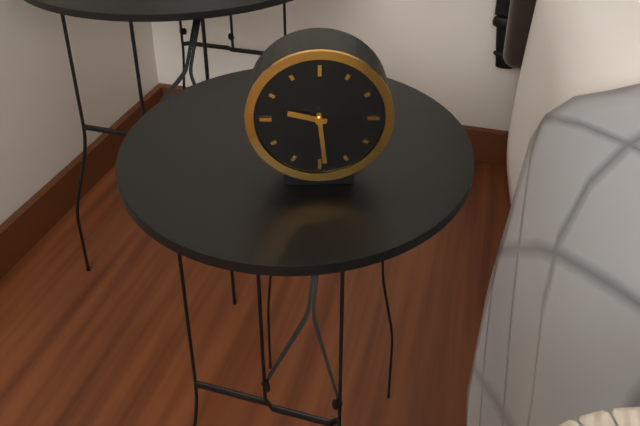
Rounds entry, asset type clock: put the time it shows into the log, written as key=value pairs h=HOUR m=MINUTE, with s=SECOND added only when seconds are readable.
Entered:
h=9 m=29
